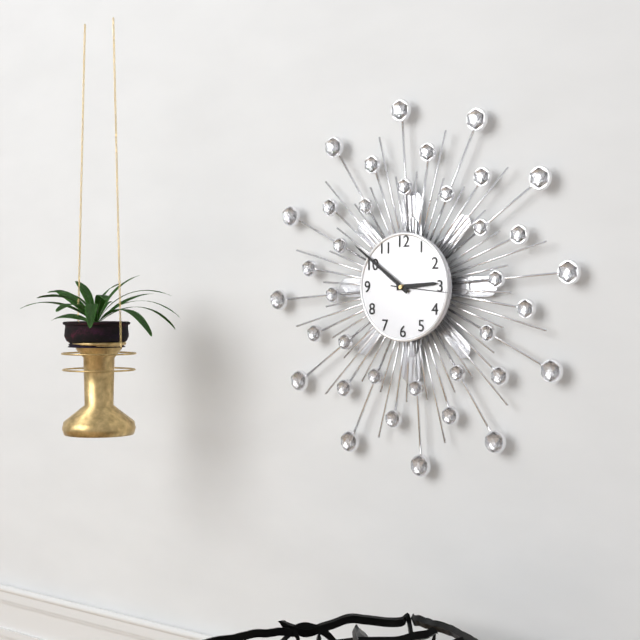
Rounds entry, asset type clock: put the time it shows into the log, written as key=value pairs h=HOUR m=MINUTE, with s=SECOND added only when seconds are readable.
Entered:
h=2 m=51 s=16
